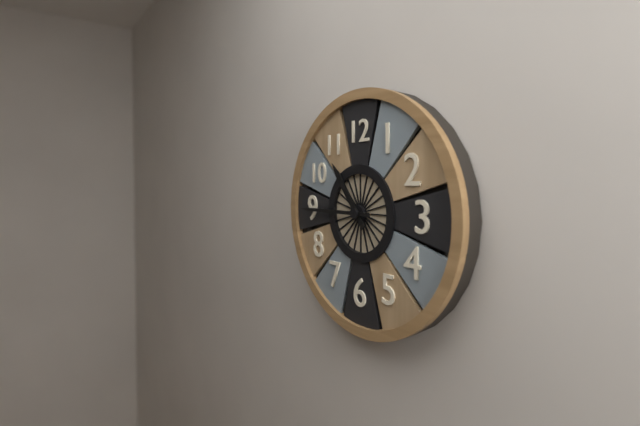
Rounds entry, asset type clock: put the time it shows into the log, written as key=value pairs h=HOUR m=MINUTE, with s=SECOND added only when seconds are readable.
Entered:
h=10 m=45
